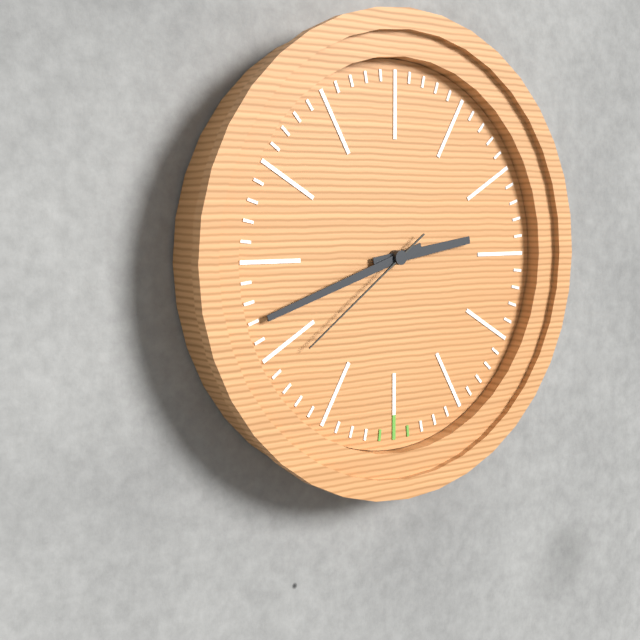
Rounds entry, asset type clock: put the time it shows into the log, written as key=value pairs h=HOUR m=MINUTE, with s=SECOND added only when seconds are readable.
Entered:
h=2 m=42 s=39
